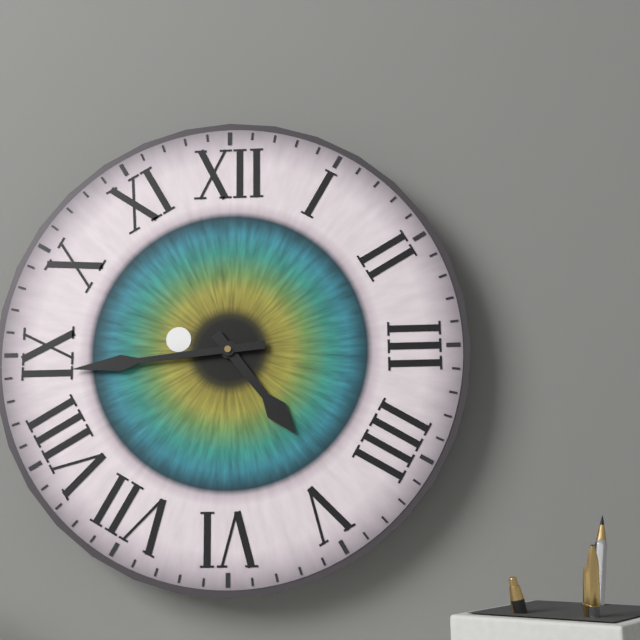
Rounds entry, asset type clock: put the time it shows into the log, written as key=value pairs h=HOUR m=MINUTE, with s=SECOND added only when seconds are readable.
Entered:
h=4 m=44
